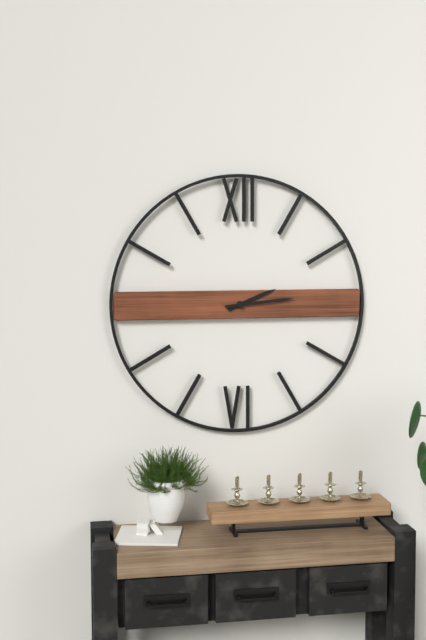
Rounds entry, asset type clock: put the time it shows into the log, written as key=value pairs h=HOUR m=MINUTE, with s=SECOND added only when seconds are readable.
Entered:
h=2 m=14
